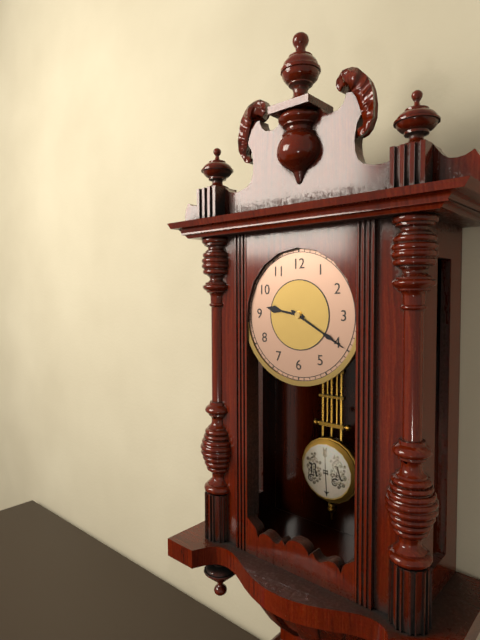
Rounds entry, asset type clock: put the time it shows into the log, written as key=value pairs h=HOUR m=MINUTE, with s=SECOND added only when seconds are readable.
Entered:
h=9 m=20
